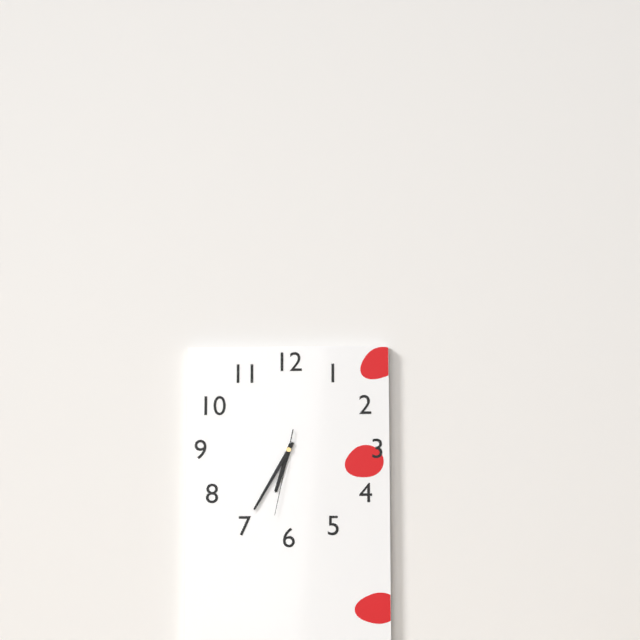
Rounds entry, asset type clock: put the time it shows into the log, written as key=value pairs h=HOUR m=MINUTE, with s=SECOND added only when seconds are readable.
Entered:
h=6 m=35 s=32
